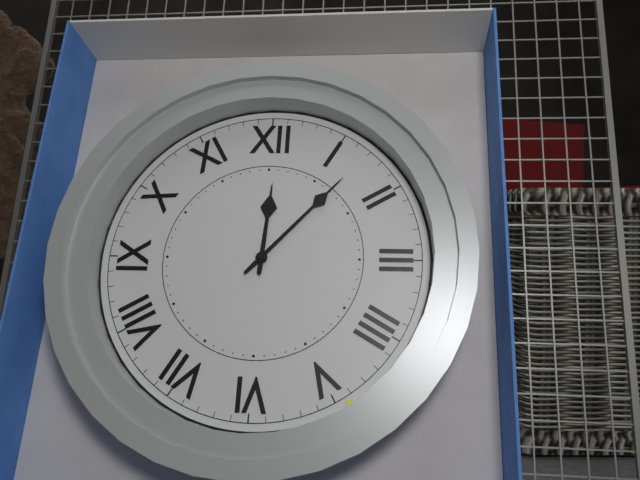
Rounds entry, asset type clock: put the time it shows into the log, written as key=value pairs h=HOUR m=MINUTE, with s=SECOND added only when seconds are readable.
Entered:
h=12 m=7
